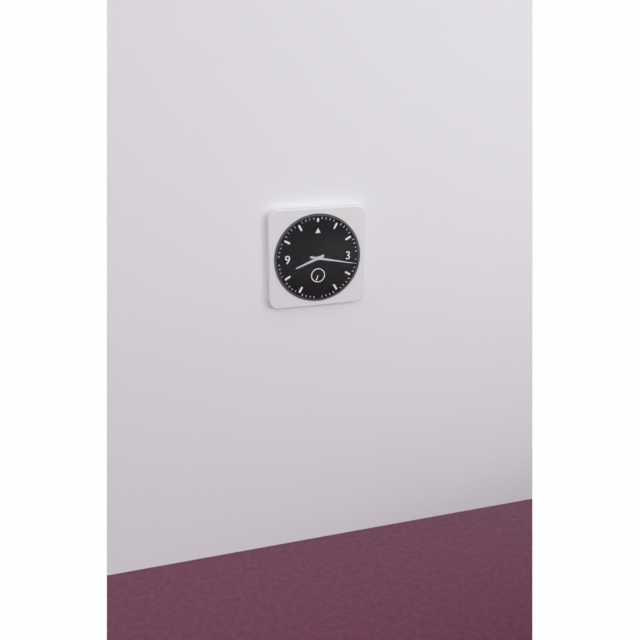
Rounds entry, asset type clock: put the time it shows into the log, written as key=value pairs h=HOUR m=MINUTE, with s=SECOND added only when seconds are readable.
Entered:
h=8 m=17
